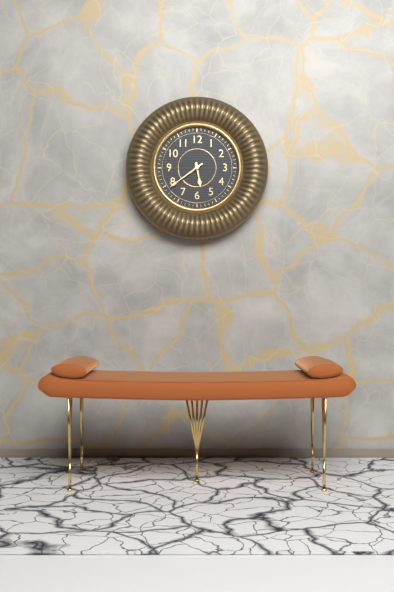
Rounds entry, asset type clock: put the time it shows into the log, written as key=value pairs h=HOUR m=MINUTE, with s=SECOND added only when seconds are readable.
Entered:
h=5 m=39
